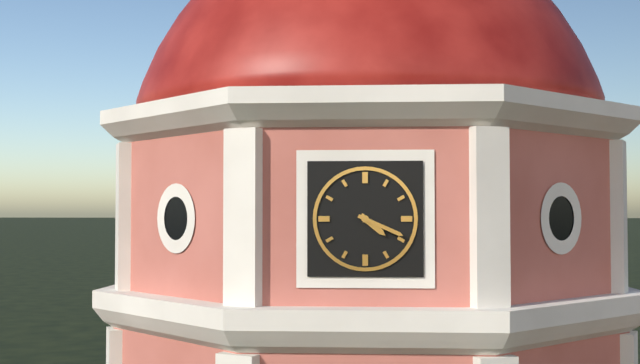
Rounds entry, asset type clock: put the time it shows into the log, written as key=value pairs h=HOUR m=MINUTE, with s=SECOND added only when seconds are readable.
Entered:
h=4 m=19
